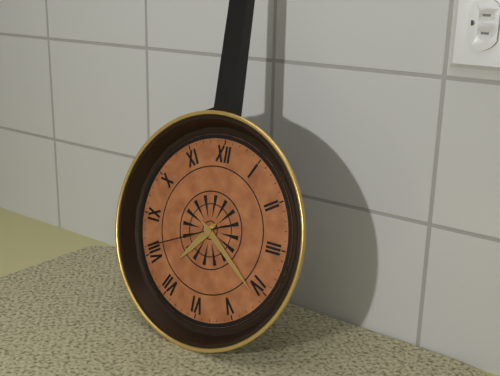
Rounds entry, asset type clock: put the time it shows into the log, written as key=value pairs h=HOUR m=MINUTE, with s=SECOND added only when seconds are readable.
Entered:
h=7 m=21 s=41
